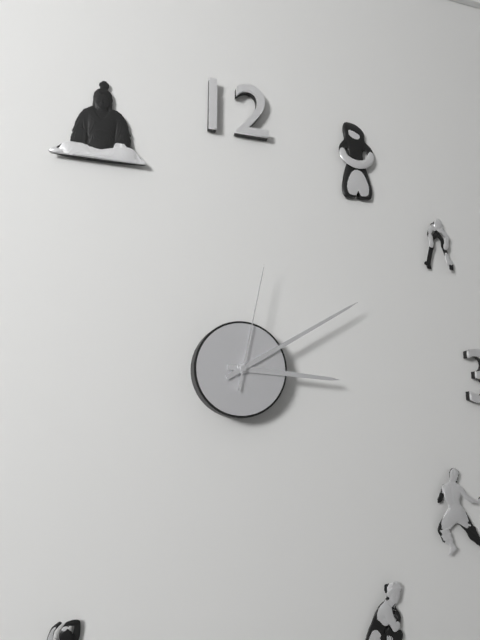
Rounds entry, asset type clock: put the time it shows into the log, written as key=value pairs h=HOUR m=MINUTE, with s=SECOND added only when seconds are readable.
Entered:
h=3 m=10 s=2
